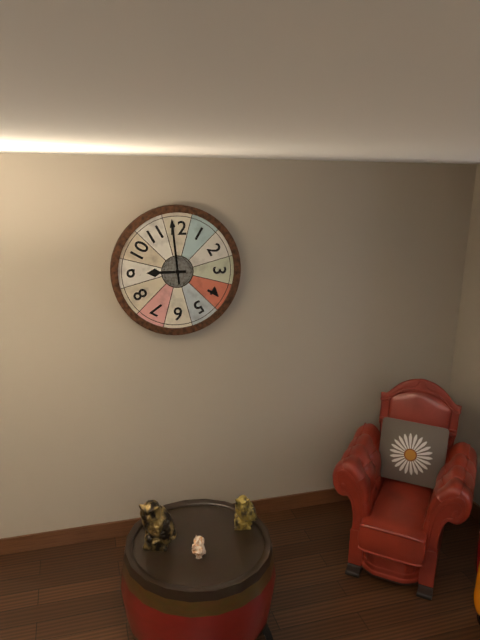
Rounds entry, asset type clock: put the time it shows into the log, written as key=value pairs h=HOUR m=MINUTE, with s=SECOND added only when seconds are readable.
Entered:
h=8 m=59
